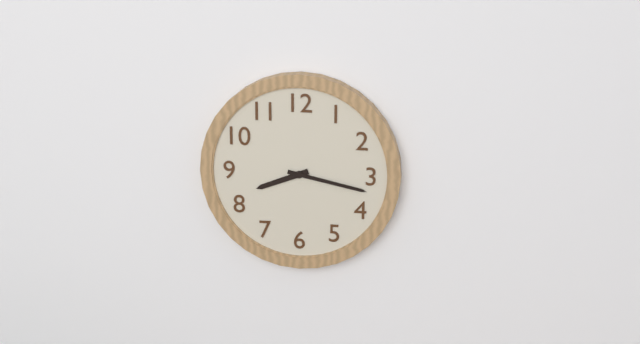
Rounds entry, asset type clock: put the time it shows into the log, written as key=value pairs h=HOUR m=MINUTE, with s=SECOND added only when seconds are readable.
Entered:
h=8 m=17
